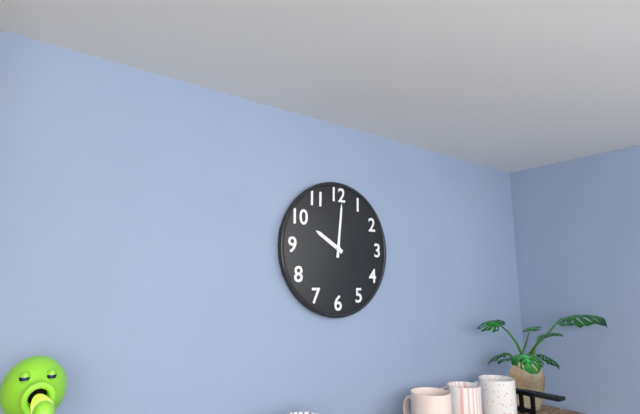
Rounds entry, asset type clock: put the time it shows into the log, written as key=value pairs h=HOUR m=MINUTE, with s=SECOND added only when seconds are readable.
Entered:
h=10 m=1
